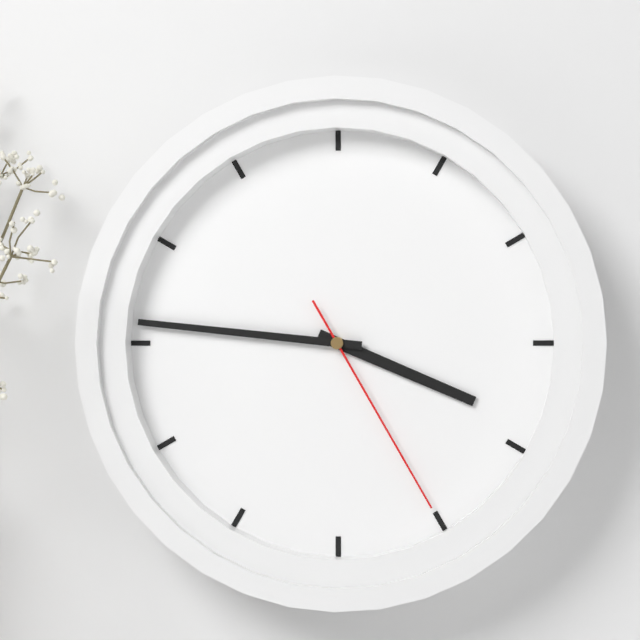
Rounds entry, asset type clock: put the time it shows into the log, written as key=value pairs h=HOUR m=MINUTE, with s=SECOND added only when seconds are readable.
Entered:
h=3 m=46 s=25
